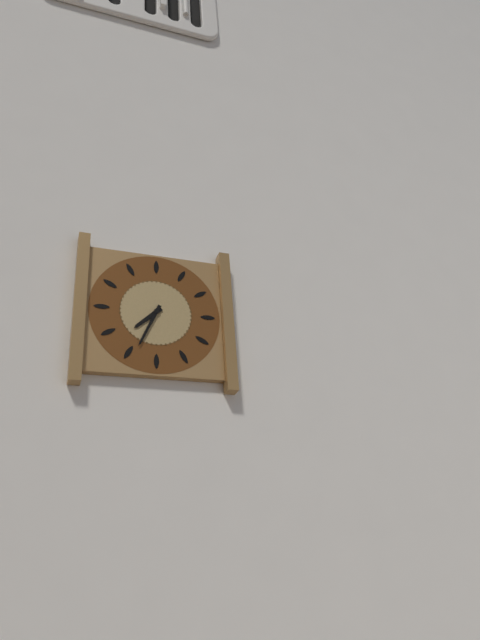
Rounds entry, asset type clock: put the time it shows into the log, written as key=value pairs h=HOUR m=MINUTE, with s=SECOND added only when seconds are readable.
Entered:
h=7 m=34
